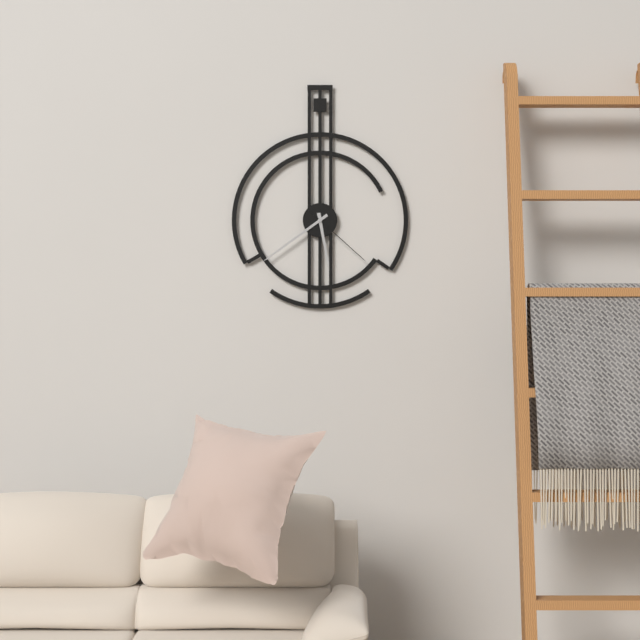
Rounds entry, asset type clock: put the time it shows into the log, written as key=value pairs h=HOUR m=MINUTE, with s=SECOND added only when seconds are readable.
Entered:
h=5 m=39 s=22
